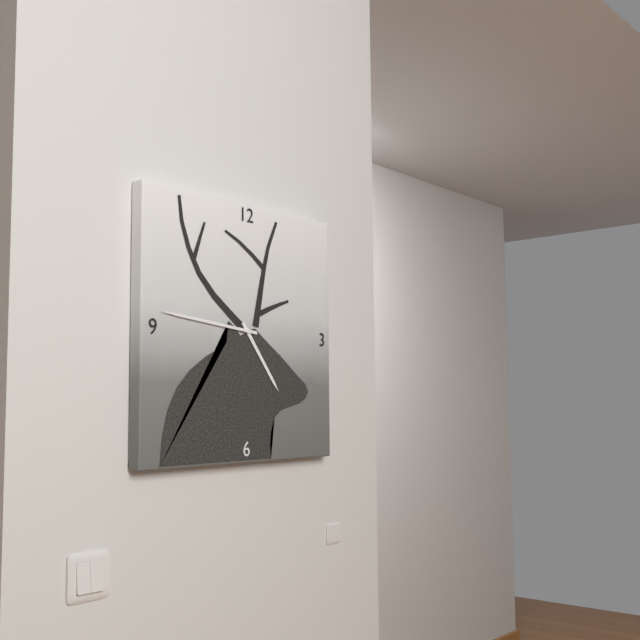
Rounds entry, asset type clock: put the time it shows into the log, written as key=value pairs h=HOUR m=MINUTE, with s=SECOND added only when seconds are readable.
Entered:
h=4 m=46
